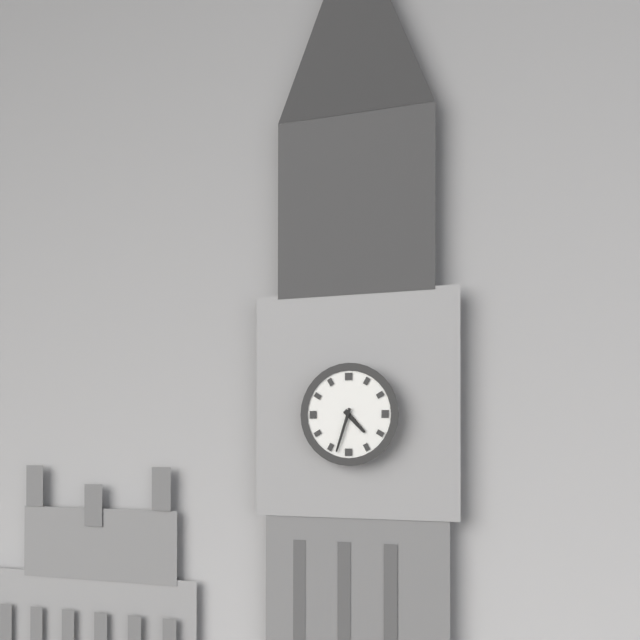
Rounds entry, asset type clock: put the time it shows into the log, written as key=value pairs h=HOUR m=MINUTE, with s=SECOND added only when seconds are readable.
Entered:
h=4 m=33
